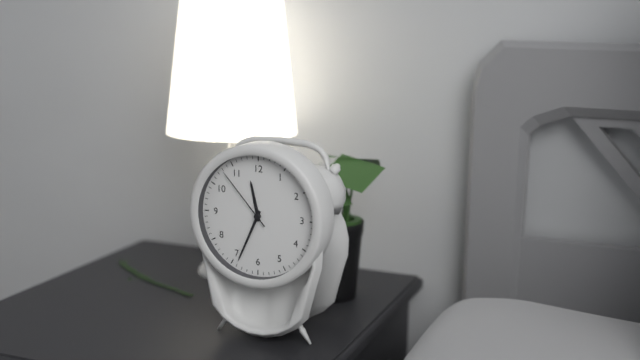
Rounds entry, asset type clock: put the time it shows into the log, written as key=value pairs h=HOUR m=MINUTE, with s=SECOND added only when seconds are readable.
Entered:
h=11 m=34 s=53
